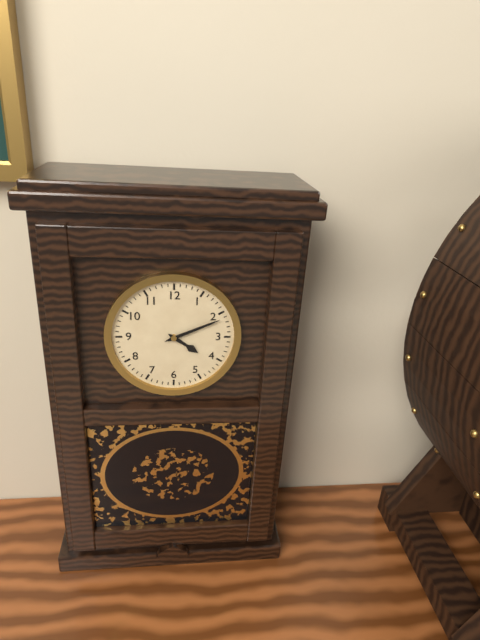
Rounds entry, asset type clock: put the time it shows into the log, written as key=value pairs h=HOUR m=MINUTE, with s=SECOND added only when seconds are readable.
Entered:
h=4 m=11
